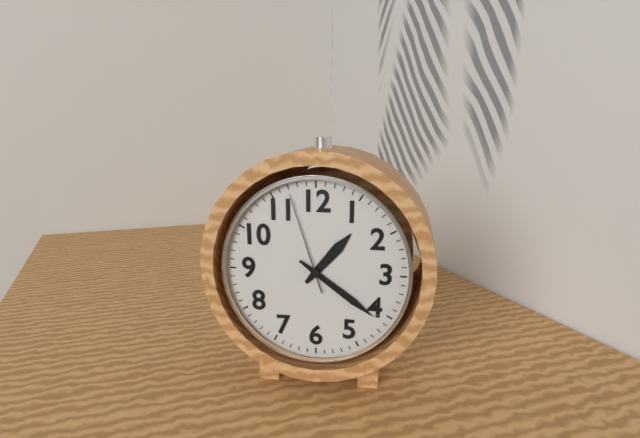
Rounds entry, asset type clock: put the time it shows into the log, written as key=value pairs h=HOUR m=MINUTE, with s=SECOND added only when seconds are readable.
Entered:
h=1 m=21 s=57
